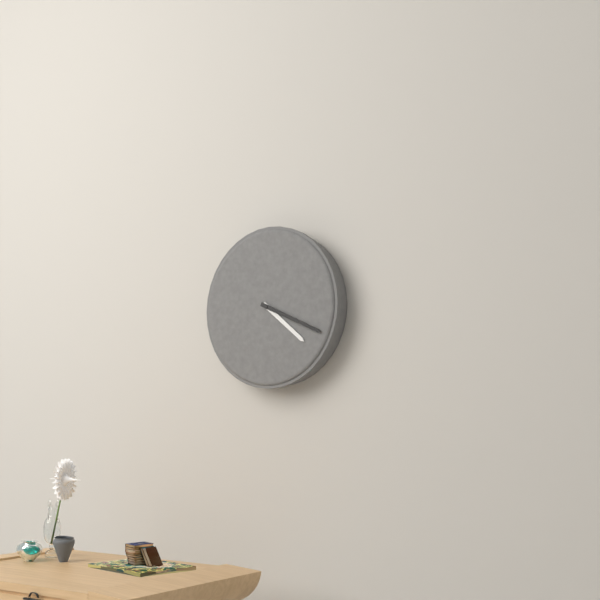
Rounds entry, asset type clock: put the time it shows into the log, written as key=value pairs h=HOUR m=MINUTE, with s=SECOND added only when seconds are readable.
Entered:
h=4 m=19
